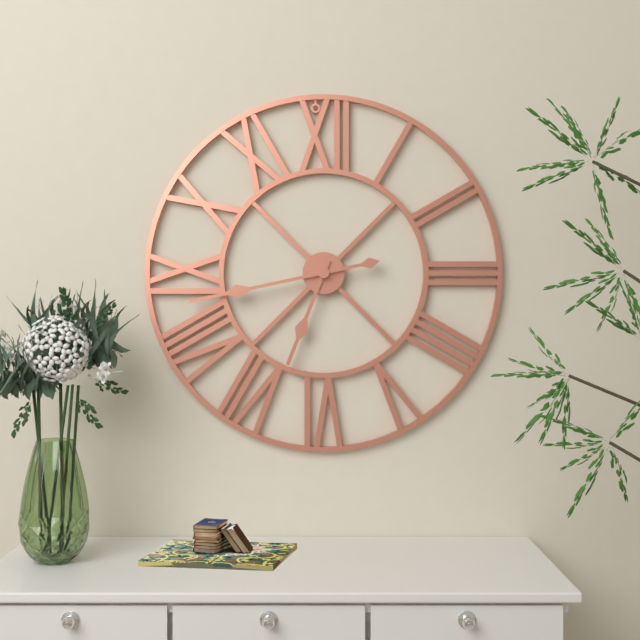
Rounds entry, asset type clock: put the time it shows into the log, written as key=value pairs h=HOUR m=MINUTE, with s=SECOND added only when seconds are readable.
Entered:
h=6 m=43
